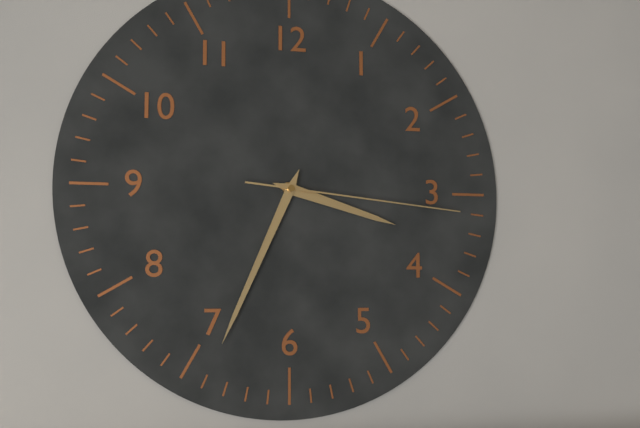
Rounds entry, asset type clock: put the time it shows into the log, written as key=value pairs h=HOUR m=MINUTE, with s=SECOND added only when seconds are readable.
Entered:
h=3 m=34 s=16
